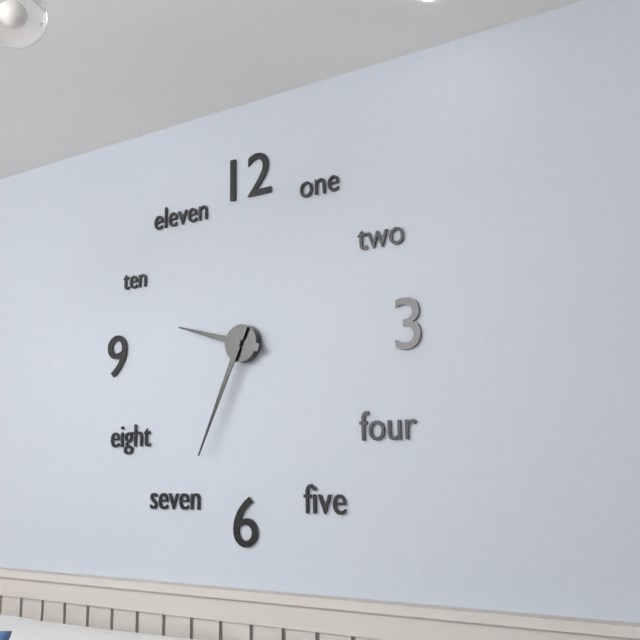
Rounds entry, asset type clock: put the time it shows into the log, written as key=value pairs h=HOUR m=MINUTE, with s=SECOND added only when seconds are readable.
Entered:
h=9 m=34
